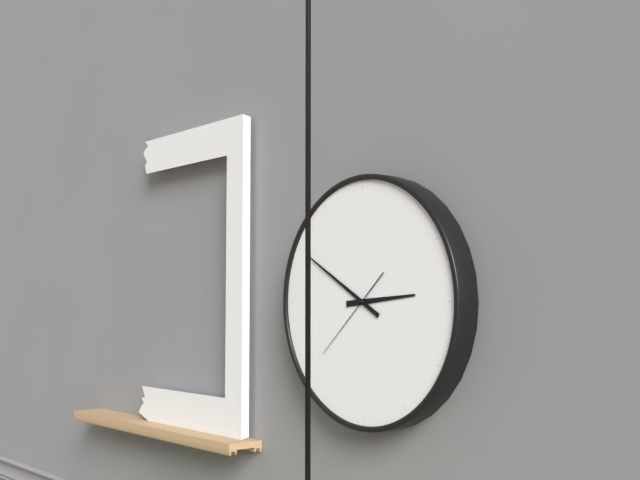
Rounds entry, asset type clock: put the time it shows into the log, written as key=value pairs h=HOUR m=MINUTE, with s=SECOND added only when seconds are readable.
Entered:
h=2 m=50 s=38
